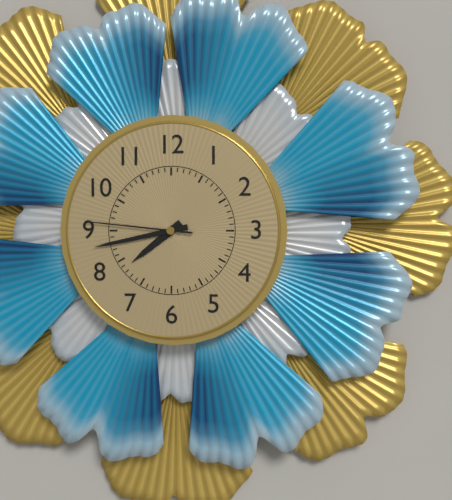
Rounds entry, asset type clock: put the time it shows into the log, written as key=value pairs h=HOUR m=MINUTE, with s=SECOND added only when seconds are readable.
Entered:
h=7 m=43 s=46
